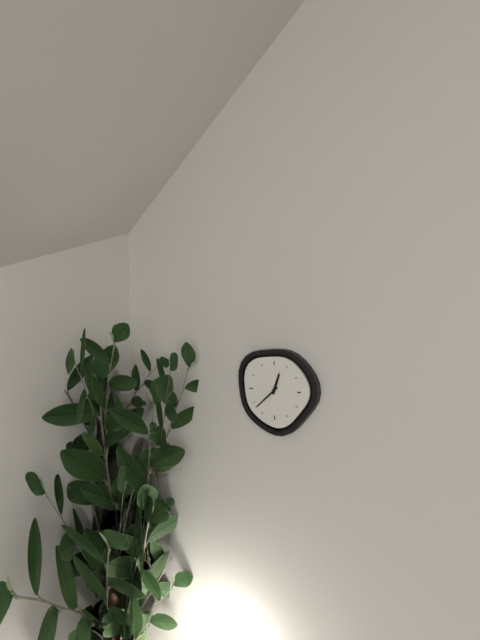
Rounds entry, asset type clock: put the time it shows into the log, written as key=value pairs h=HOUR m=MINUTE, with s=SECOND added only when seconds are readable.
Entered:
h=12 m=38
